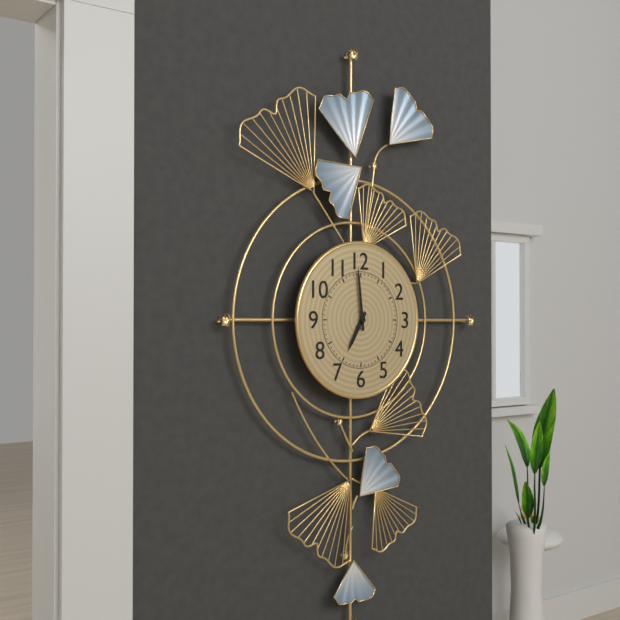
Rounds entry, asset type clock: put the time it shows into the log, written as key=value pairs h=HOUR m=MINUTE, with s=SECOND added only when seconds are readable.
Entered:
h=6 m=59
